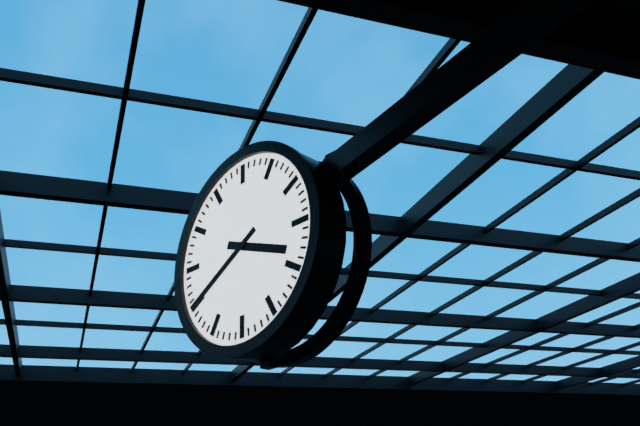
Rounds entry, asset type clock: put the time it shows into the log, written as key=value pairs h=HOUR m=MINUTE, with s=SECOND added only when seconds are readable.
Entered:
h=3 m=40
